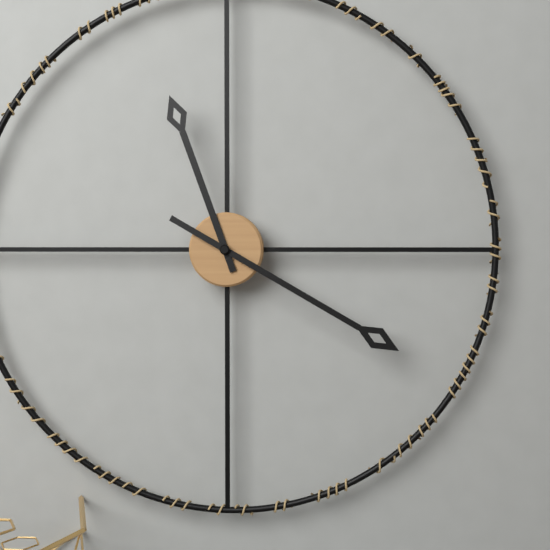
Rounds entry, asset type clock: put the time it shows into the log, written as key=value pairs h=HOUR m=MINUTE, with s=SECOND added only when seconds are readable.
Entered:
h=11 m=20
